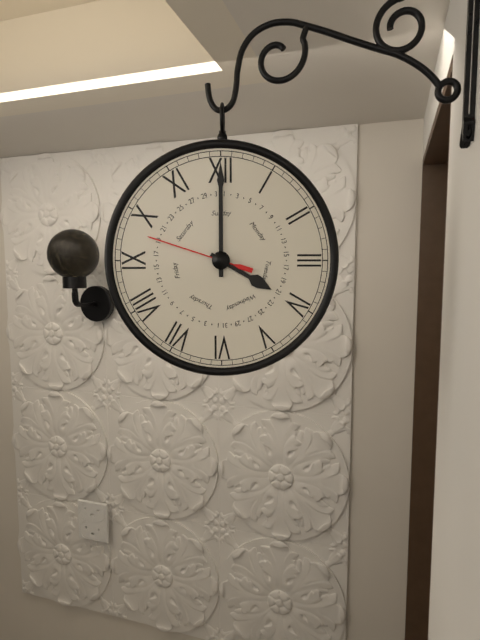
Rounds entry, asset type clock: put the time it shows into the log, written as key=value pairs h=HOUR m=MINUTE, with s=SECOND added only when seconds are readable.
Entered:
h=4 m=0 s=48
